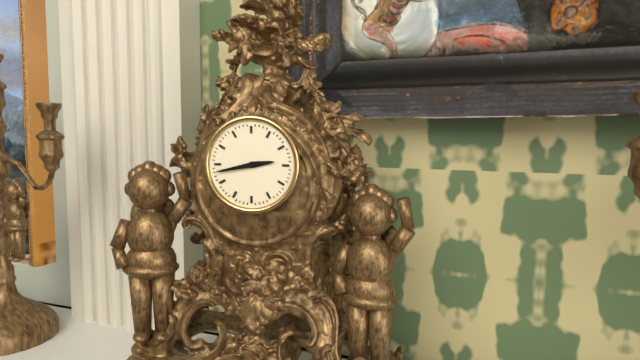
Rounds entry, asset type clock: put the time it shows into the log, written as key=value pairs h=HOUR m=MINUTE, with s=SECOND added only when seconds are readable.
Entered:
h=2 m=43
